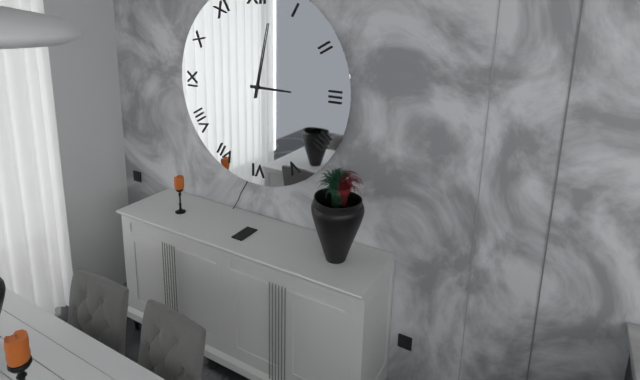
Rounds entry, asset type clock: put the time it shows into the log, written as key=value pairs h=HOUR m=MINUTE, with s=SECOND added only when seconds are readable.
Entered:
h=3 m=2
